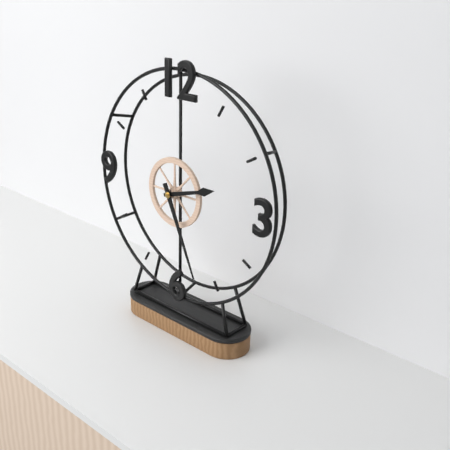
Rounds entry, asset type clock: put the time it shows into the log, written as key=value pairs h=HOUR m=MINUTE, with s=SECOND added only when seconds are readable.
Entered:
h=2 m=26
